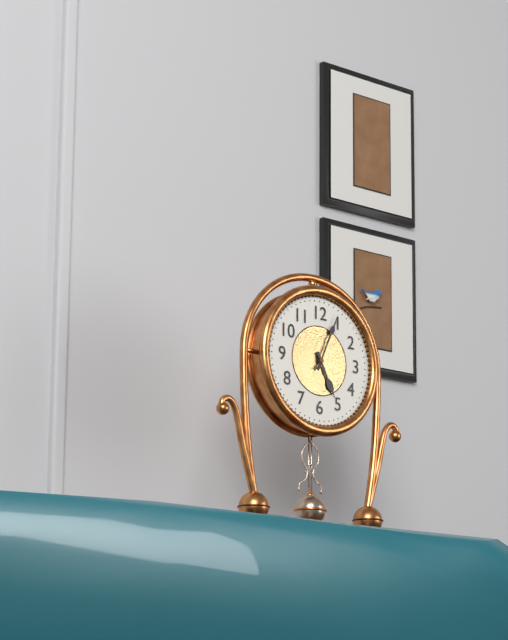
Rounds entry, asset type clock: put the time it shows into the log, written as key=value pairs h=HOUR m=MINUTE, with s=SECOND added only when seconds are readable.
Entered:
h=5 m=4
